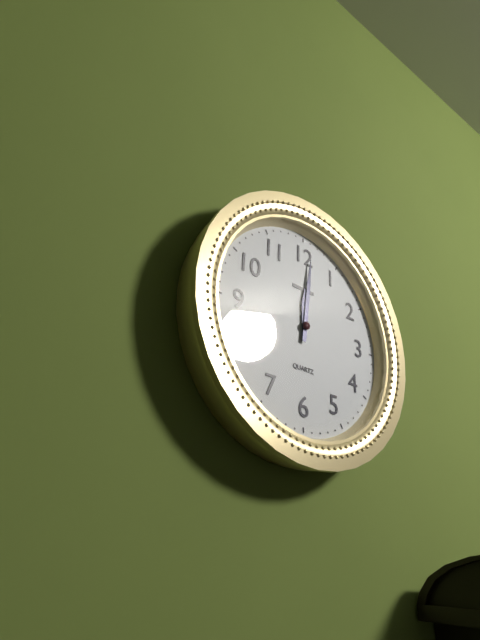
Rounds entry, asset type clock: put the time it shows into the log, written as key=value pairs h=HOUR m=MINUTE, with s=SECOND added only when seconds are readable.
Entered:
h=12 m=1
